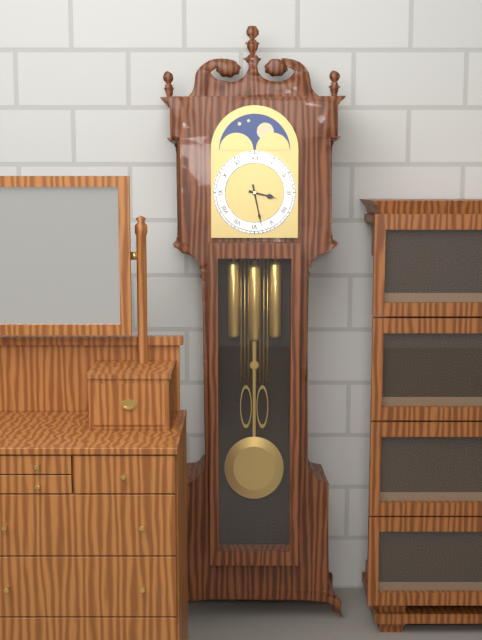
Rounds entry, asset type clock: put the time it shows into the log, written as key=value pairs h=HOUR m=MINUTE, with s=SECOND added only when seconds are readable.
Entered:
h=3 m=28
